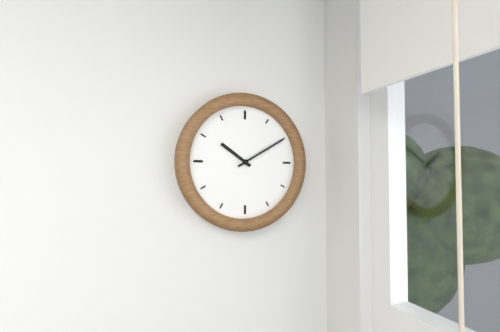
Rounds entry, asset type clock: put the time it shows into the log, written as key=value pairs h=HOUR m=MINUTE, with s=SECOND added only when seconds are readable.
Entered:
h=10 m=10
